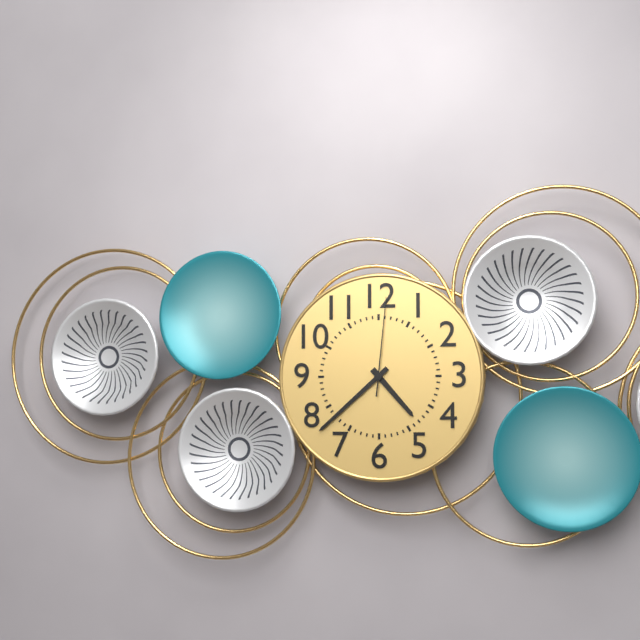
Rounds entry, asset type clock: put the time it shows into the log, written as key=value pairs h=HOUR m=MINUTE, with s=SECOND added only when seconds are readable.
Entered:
h=4 m=38 s=1
